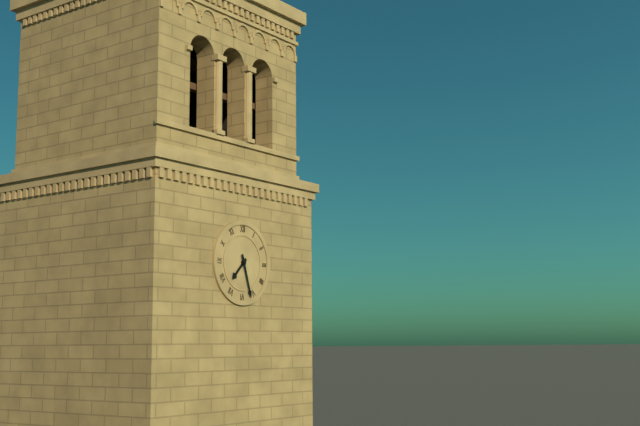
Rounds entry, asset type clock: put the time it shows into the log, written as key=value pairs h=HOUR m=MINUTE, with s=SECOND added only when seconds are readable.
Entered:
h=7 m=27
